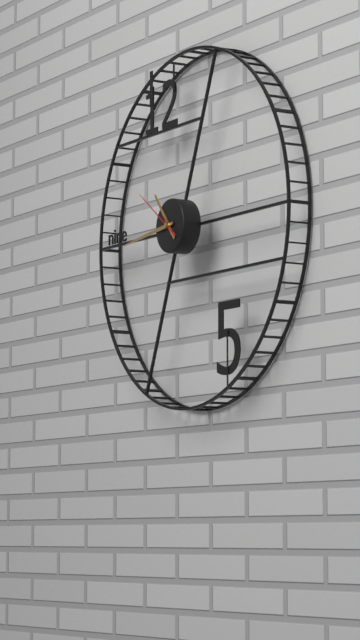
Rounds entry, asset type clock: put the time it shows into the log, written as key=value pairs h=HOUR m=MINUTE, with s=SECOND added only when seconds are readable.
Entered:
h=10 m=44 s=51
